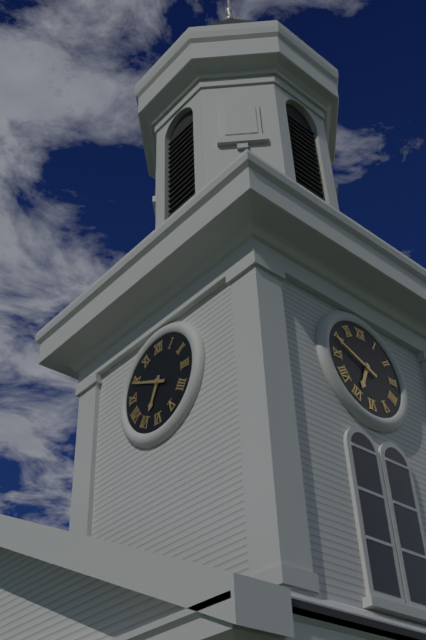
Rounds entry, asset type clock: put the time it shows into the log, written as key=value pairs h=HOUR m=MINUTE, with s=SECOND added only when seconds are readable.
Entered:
h=6 m=49
